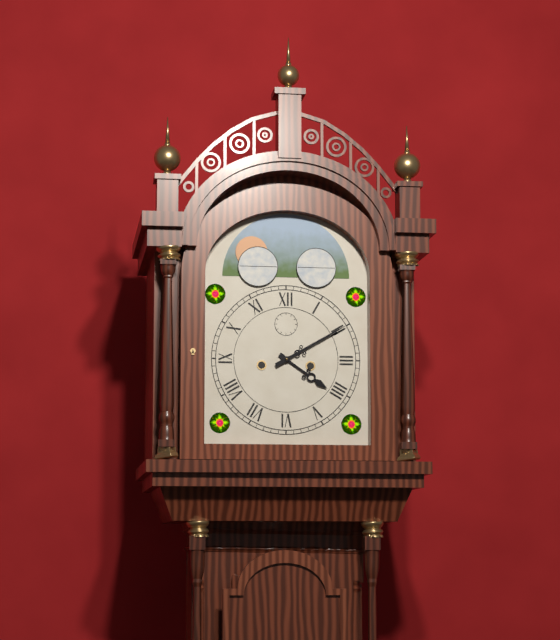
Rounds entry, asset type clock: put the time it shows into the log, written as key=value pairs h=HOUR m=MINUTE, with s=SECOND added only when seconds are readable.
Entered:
h=4 m=10
